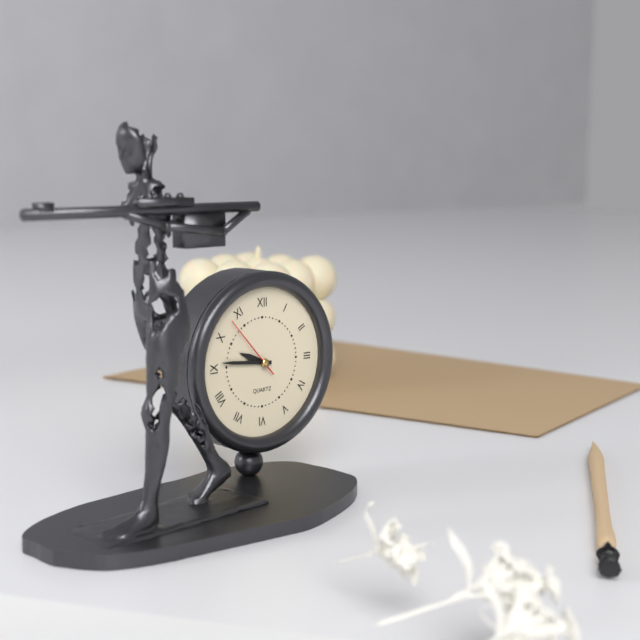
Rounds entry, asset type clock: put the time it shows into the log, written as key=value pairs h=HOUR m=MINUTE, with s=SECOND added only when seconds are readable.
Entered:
h=9 m=46 s=53
